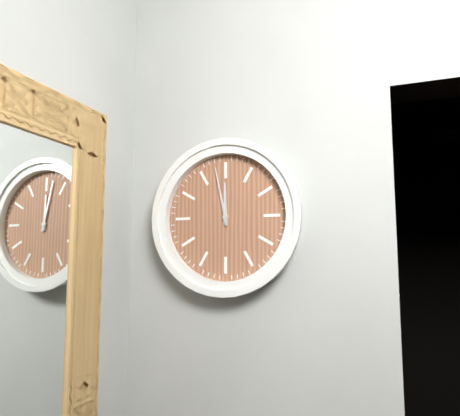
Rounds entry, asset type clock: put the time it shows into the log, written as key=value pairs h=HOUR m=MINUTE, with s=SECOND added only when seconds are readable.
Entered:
h=11 m=58
